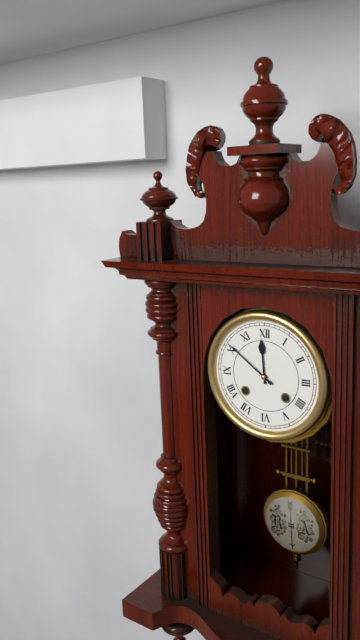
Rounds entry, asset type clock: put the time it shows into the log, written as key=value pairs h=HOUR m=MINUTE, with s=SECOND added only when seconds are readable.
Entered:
h=11 m=51
